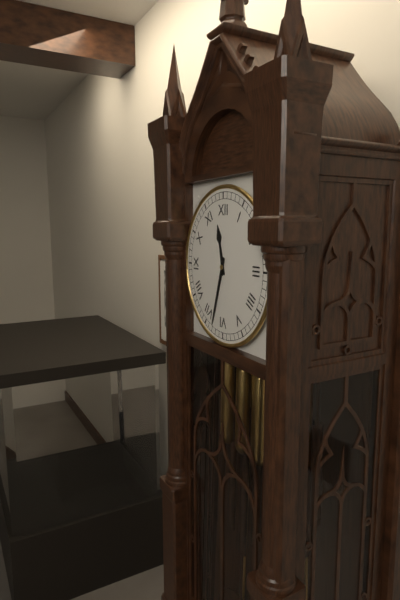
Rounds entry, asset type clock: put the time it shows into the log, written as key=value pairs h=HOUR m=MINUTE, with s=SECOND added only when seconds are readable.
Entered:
h=11 m=33
